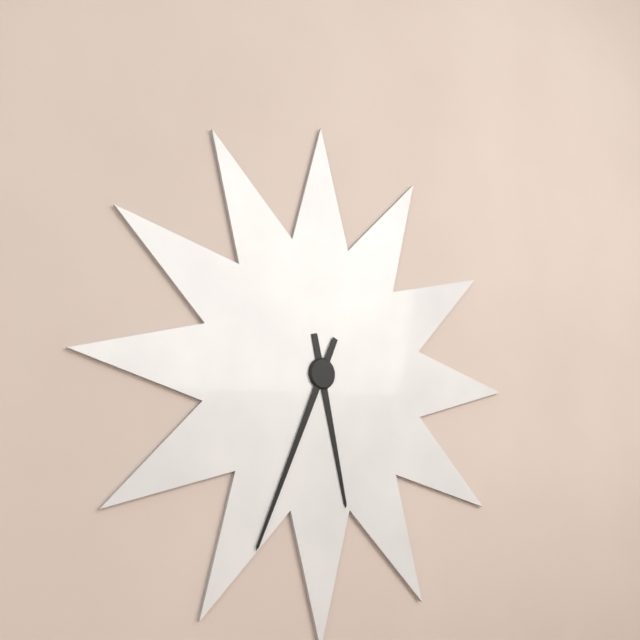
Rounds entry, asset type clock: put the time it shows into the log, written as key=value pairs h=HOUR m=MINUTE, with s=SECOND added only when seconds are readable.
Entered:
h=5 m=34
